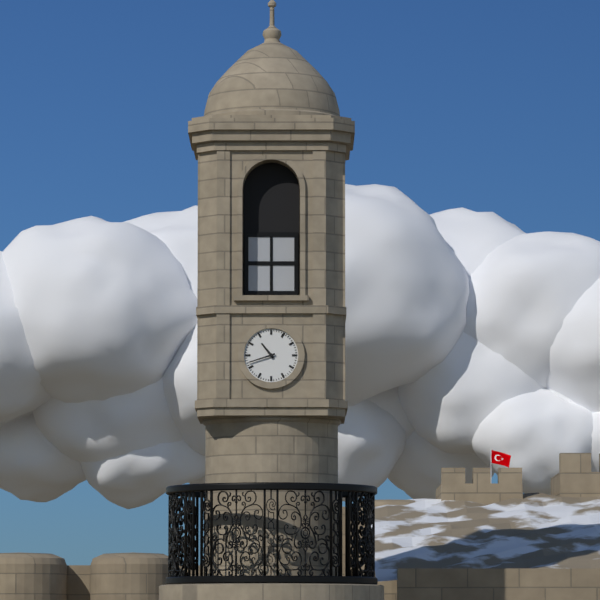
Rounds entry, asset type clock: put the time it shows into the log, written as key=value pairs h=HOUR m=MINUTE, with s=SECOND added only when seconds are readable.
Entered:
h=10 m=42
